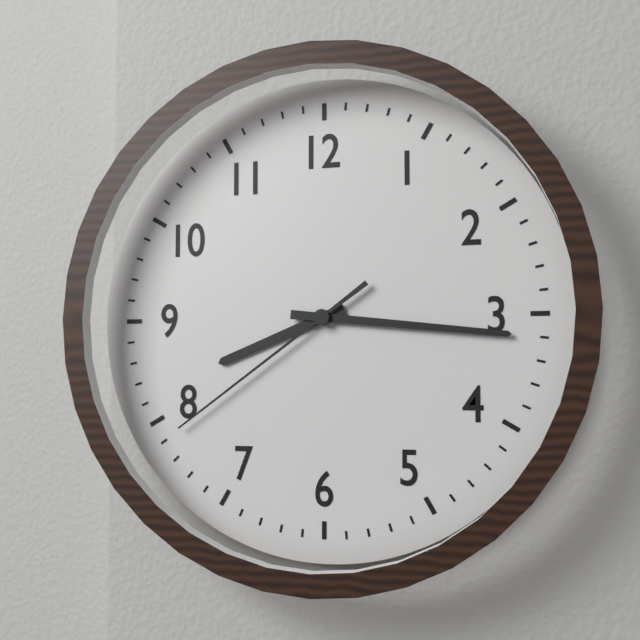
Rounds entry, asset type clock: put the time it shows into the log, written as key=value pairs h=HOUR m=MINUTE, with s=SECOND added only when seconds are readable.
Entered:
h=8 m=16 s=39
